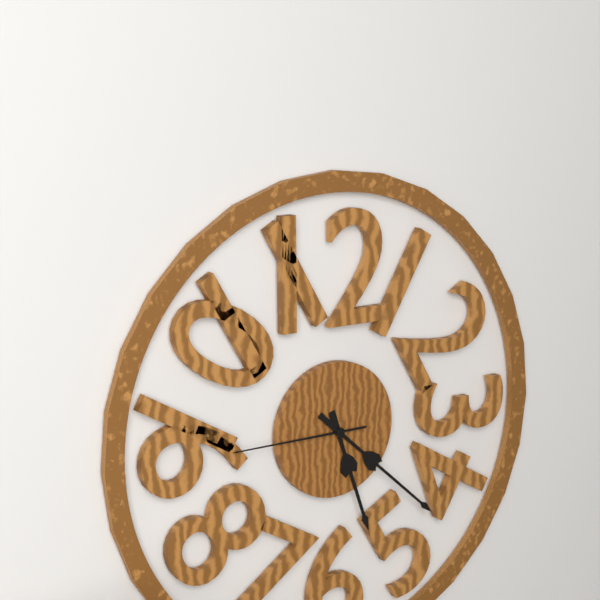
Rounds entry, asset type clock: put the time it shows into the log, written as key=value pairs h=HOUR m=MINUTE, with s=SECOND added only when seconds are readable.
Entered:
h=5 m=22 s=45
